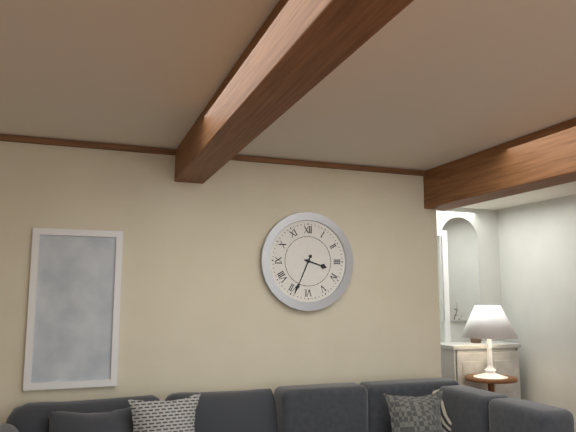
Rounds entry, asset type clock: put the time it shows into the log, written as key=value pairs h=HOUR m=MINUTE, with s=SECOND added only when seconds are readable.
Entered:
h=3 m=34
